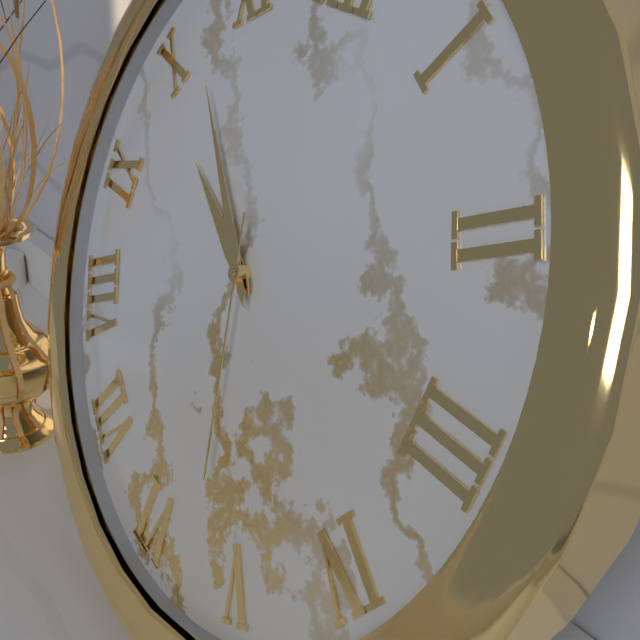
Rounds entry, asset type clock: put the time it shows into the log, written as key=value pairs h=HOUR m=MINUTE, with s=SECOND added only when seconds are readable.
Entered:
h=9 m=52 s=27
